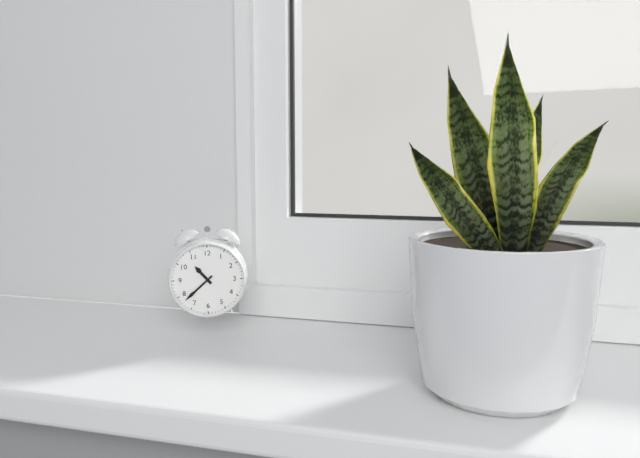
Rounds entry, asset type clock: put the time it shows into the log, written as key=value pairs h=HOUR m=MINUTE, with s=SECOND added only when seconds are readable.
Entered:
h=10 m=38
